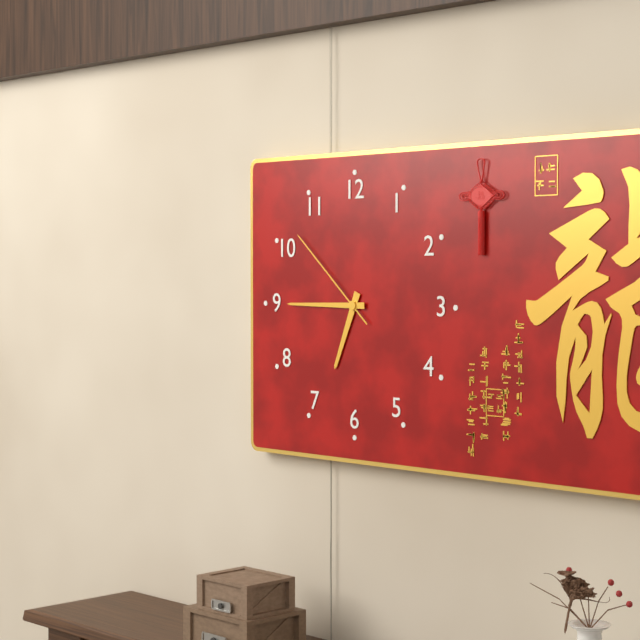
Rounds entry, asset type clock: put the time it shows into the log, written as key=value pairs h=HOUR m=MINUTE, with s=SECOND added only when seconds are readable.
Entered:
h=6 m=45 s=52
